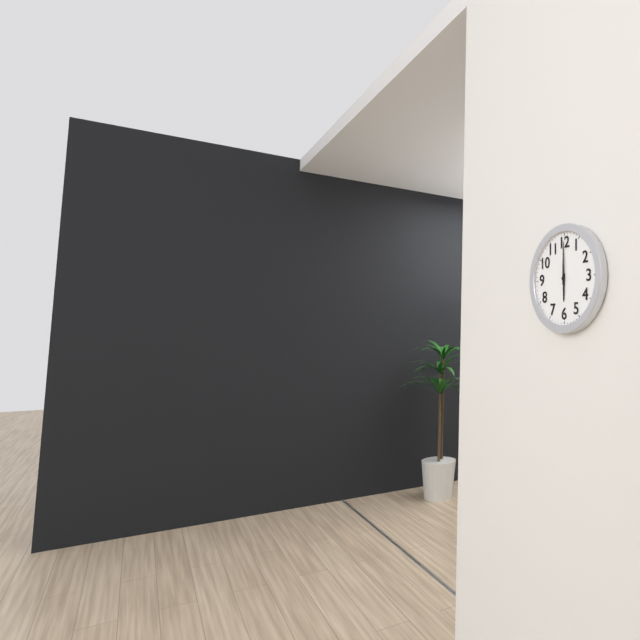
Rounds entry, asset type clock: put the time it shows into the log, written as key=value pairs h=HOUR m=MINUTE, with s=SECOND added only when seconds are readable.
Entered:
h=6 m=0
